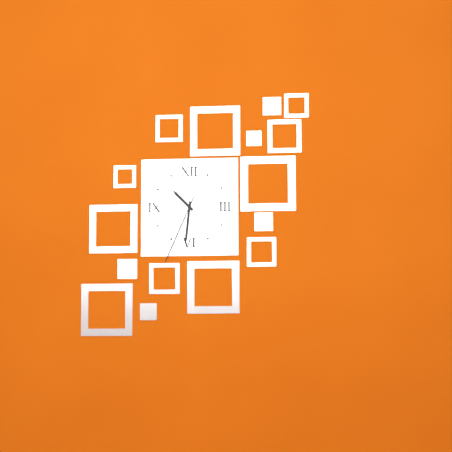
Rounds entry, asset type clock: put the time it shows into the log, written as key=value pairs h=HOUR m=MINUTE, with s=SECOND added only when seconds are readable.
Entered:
h=10 m=31 s=34
